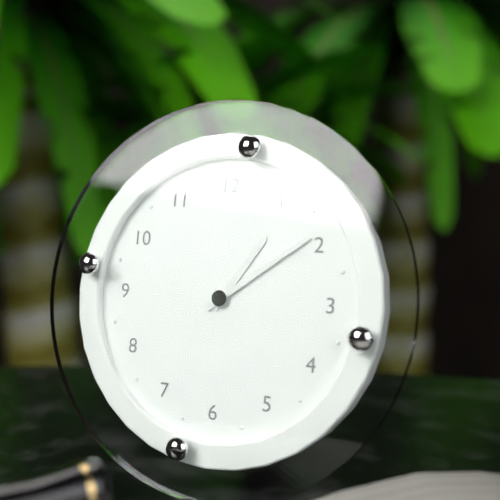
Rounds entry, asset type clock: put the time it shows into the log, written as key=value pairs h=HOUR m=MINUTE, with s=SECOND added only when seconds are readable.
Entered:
h=1 m=9
